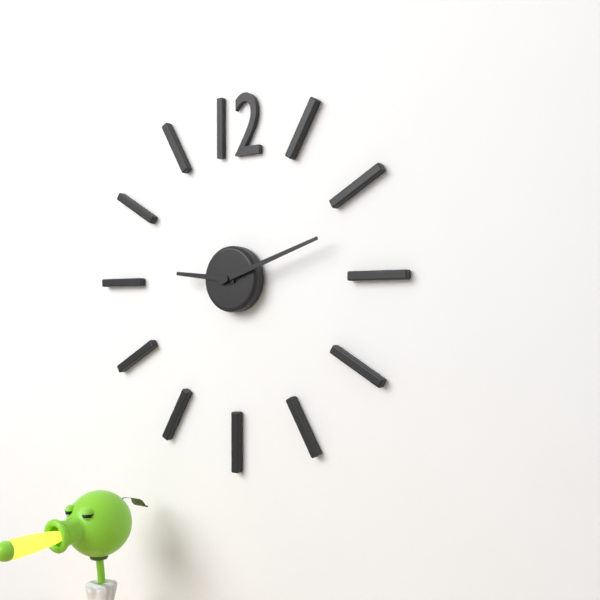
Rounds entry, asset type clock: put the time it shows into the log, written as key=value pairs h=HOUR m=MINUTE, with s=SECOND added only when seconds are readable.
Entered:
h=9 m=12
